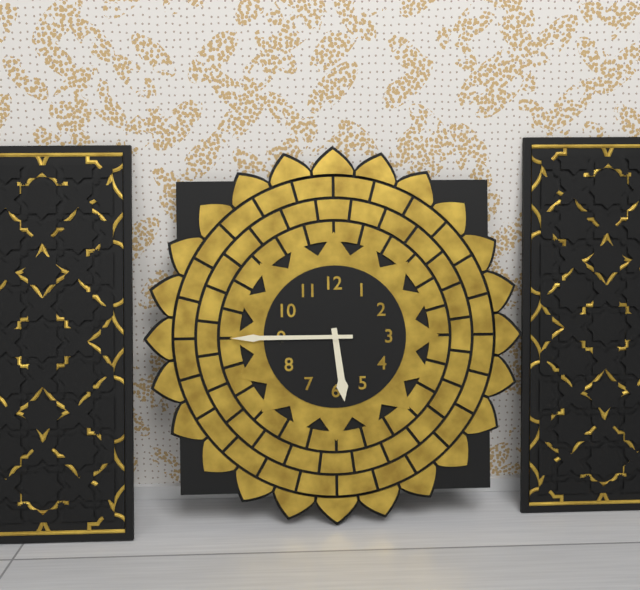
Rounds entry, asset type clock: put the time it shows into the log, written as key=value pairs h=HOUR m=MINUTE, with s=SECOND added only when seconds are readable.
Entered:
h=5 m=45
